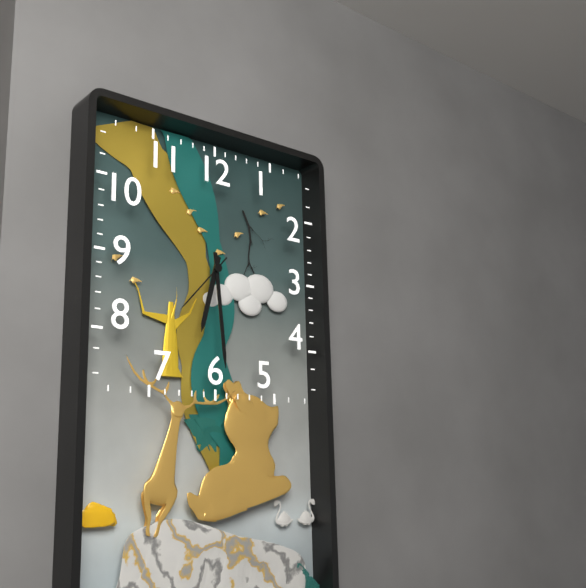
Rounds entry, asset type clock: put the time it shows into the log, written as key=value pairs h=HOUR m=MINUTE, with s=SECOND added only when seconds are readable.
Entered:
h=6 m=29 s=37
